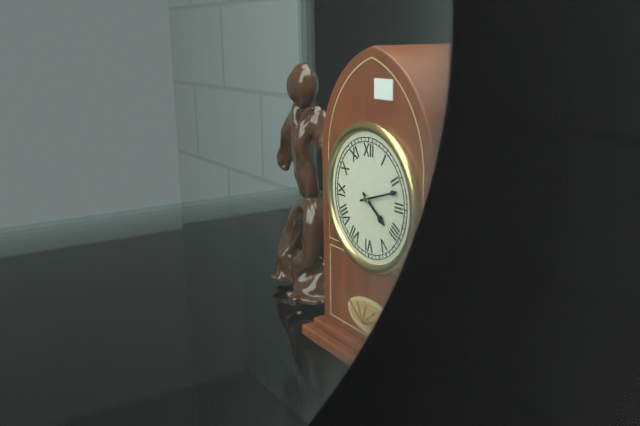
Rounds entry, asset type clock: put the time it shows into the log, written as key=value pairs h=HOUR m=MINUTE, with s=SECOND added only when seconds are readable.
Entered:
h=4 m=12
